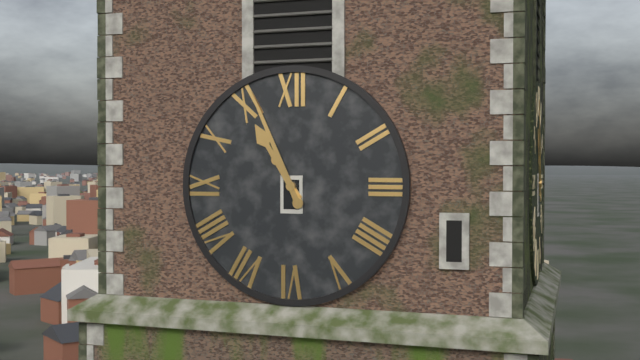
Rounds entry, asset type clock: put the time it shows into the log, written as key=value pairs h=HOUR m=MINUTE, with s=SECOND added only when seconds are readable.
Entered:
h=10 m=56
